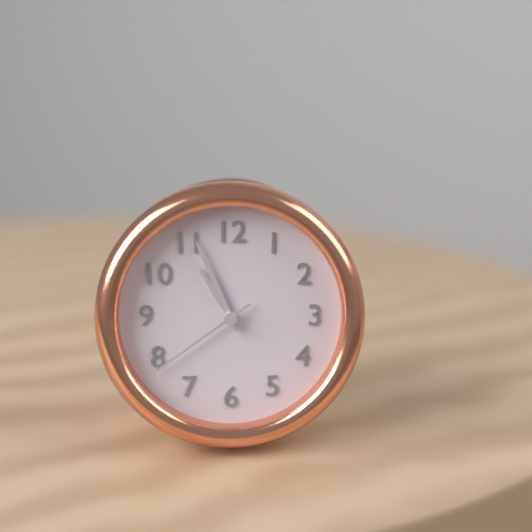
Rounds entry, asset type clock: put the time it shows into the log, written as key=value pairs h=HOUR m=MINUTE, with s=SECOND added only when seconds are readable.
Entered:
h=10 m=56 s=39
